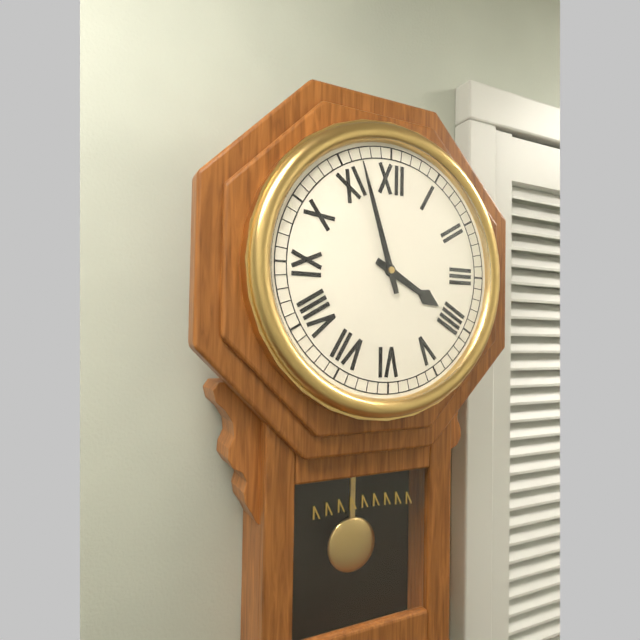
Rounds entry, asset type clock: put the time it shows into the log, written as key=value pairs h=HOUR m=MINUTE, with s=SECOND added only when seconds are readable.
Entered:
h=3 m=57
